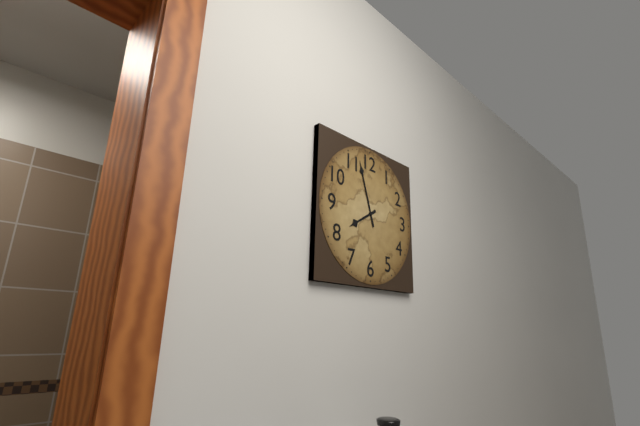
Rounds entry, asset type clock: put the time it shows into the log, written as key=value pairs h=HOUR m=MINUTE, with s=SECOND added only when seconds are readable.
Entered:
h=7 m=57
